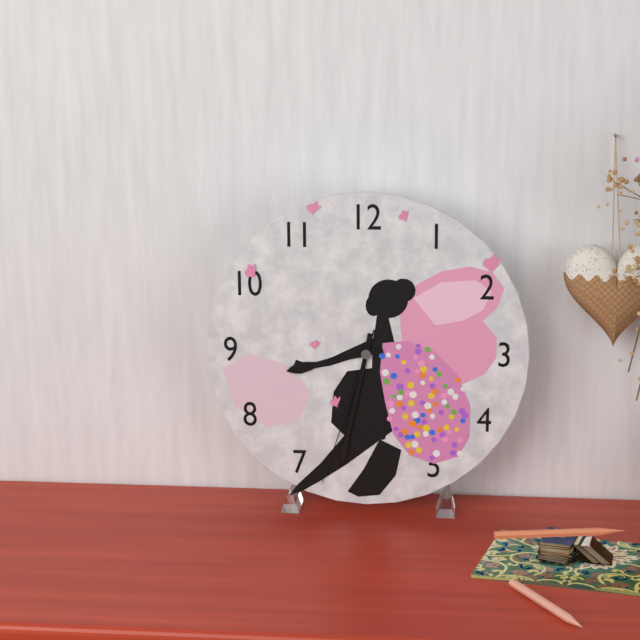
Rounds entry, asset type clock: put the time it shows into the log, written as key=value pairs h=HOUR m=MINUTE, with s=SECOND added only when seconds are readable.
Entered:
h=8 m=32 s=33
